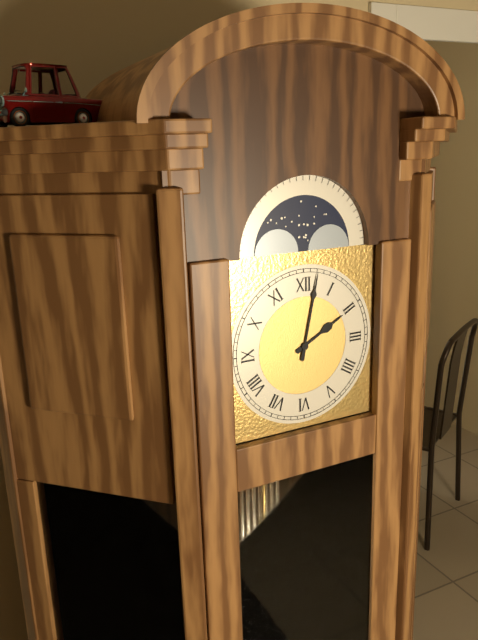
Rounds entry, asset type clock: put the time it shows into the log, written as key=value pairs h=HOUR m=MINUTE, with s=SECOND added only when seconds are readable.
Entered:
h=2 m=2
